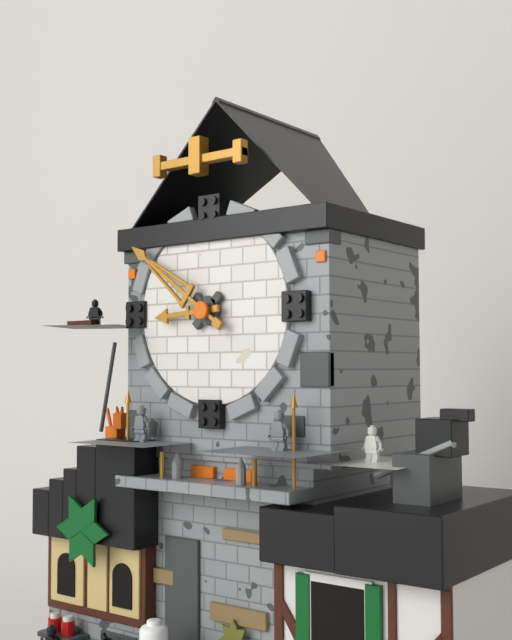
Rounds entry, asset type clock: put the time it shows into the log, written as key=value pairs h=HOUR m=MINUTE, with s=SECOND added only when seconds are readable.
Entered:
h=8 m=51
